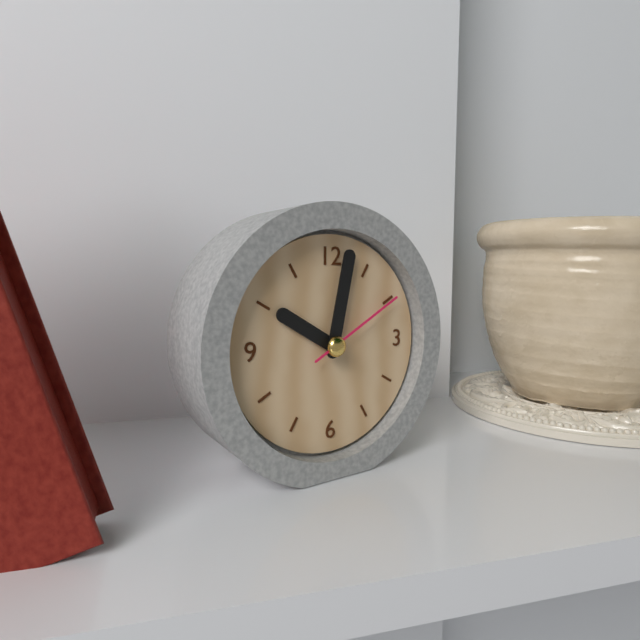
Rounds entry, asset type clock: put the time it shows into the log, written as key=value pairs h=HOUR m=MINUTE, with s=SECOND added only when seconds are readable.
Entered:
h=10 m=2 s=10
